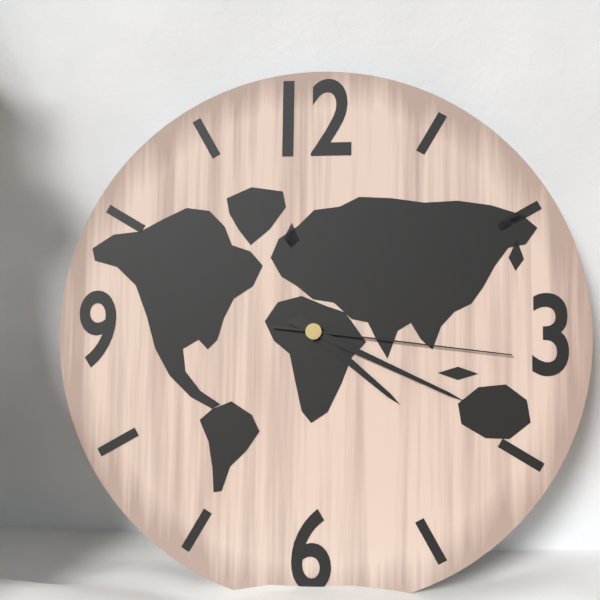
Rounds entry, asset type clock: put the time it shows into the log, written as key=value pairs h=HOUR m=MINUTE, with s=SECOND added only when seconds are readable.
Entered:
h=4 m=19 s=16
